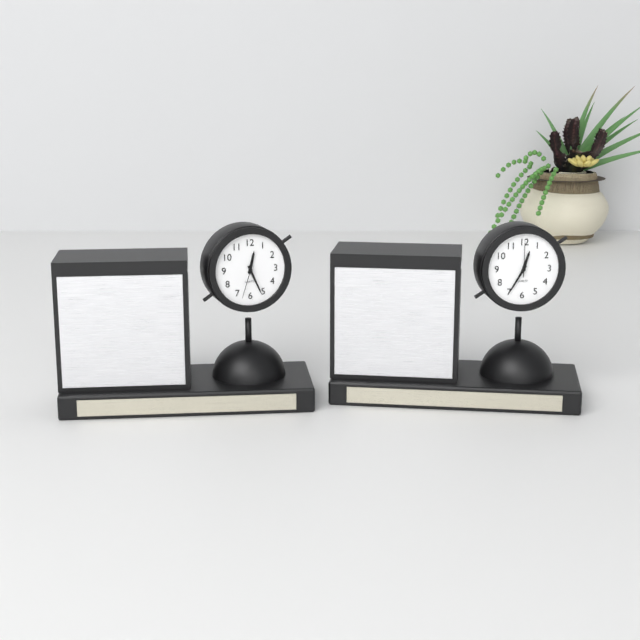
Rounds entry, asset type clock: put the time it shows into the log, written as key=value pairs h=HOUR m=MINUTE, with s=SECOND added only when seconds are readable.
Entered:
h=12 m=26
